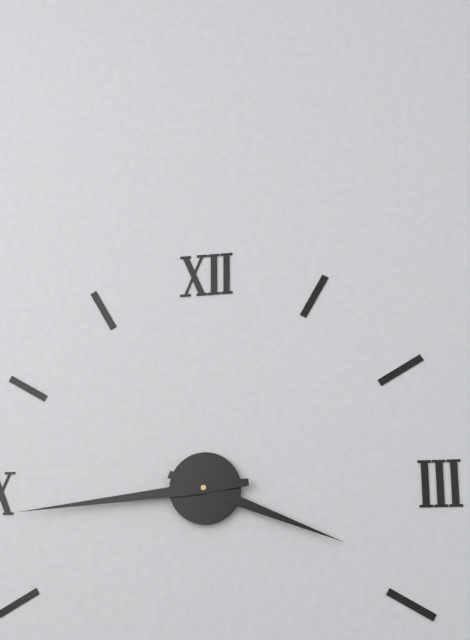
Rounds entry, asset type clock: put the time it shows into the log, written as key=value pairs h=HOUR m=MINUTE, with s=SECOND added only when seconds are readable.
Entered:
h=3 m=44
